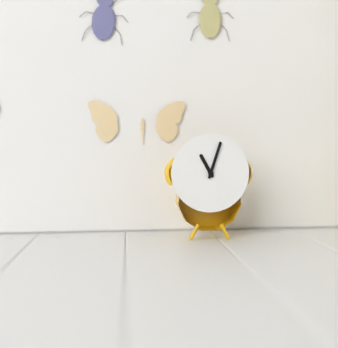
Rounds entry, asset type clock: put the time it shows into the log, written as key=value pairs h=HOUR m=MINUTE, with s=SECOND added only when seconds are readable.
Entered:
h=11 m=3
